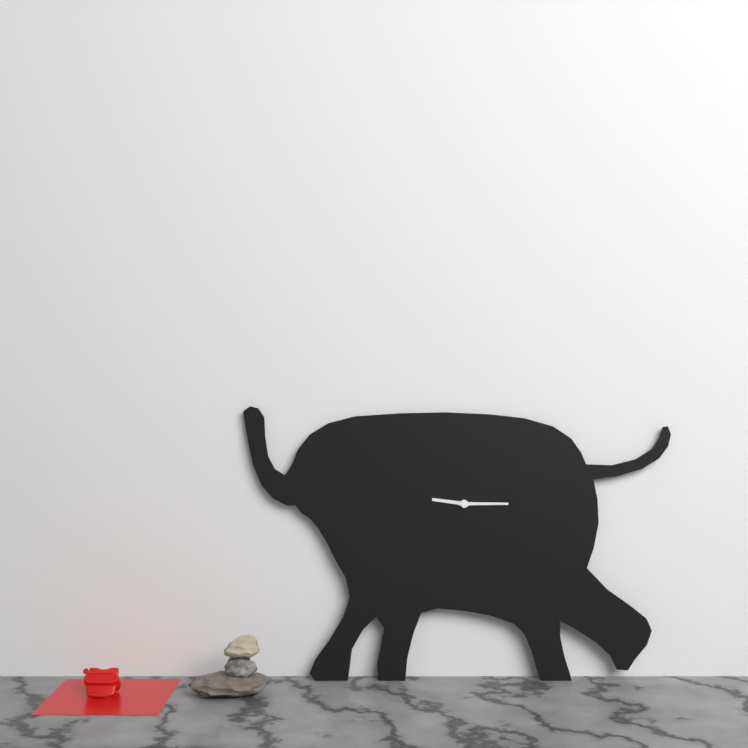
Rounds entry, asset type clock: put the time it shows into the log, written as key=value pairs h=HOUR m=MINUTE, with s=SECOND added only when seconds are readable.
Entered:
h=9 m=15
